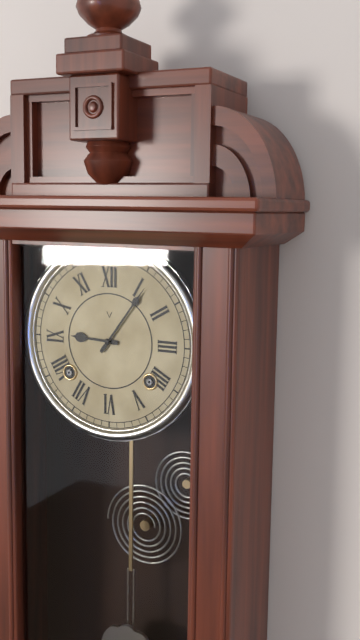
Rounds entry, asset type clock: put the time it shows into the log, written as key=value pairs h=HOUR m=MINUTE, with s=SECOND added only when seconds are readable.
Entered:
h=9 m=6
